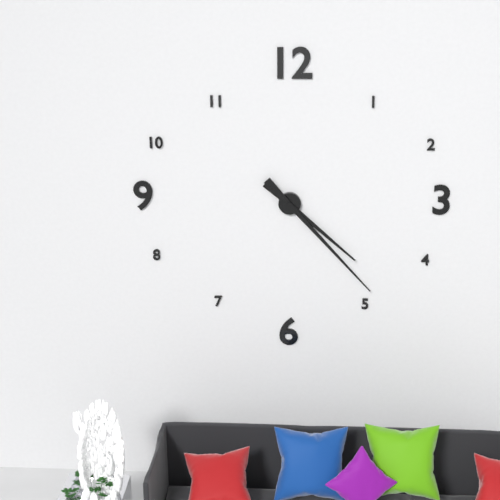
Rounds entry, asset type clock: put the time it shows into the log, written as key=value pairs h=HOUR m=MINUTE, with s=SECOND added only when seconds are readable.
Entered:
h=4 m=23
